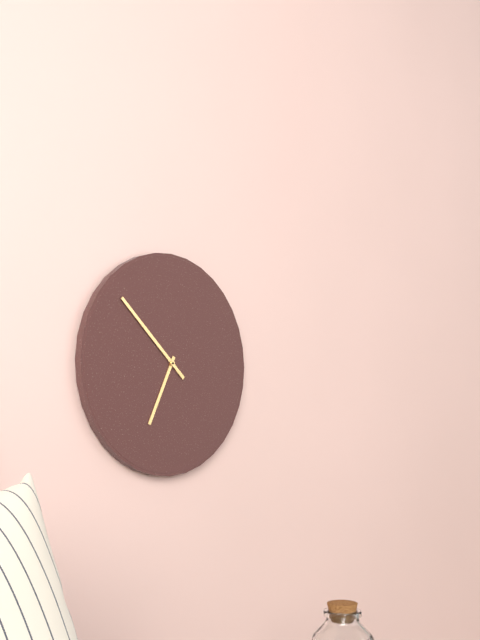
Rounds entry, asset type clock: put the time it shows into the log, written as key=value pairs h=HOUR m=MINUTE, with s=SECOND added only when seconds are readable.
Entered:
h=6 m=52
